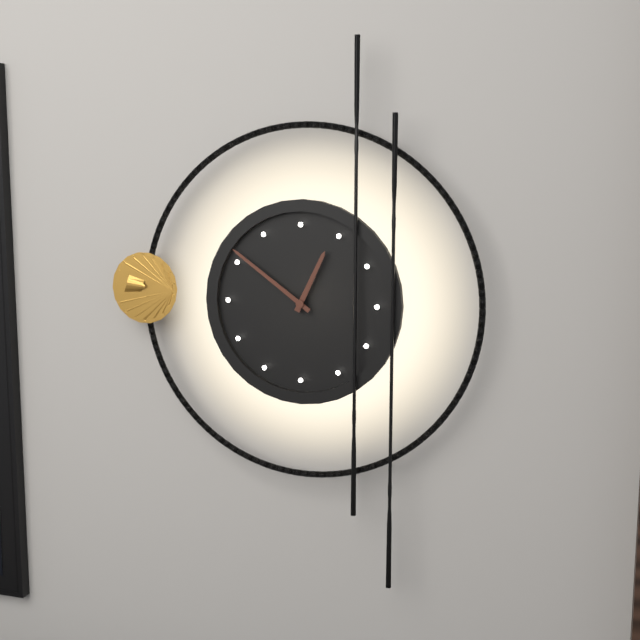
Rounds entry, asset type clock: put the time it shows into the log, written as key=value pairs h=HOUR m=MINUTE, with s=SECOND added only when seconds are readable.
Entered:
h=12 m=51
